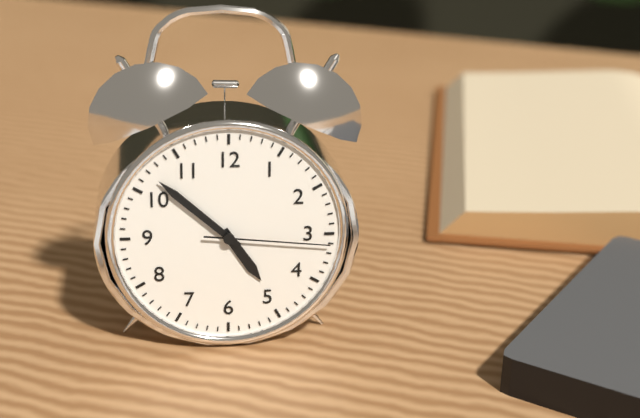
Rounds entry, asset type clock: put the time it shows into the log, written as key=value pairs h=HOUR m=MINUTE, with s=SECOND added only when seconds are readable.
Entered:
h=4 m=52 s=16
